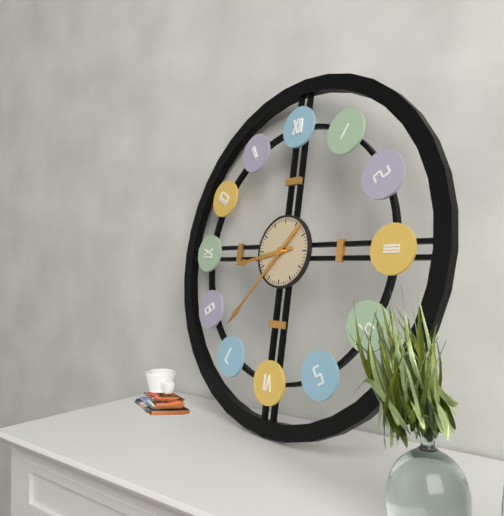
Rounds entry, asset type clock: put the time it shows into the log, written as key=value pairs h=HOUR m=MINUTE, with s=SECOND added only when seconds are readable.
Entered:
h=8 m=37
